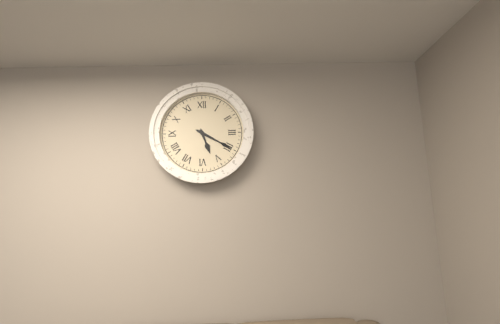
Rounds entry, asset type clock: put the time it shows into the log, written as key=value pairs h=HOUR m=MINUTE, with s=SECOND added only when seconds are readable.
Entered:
h=5 m=20
